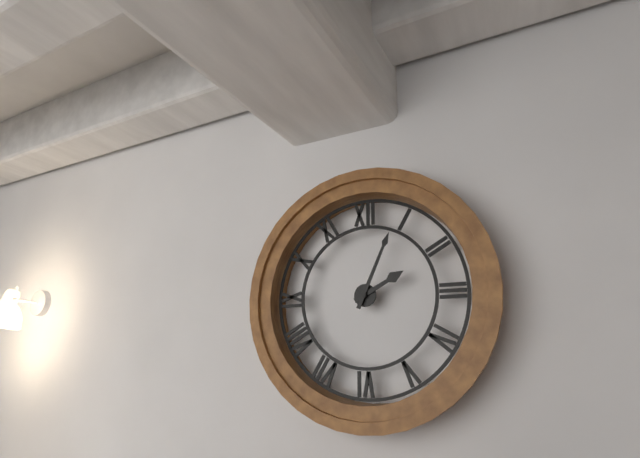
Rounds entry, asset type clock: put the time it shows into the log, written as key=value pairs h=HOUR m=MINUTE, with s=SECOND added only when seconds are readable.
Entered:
h=2 m=4
